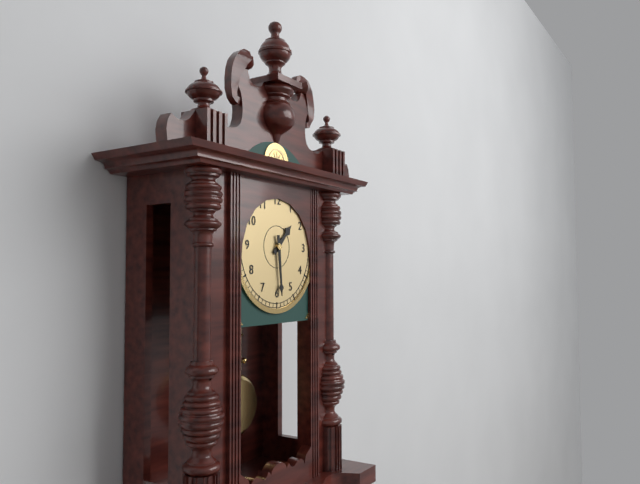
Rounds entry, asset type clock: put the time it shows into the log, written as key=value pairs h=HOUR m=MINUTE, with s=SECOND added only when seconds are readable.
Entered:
h=1 m=29
